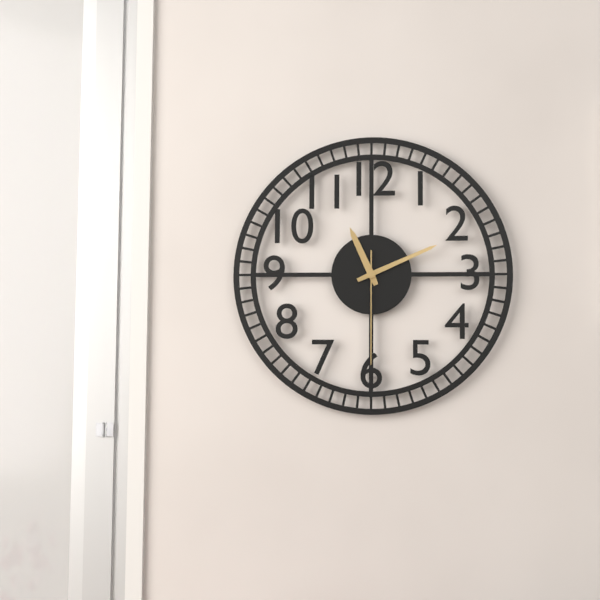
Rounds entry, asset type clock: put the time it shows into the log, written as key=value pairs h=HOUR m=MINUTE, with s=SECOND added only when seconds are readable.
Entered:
h=11 m=11 s=30
